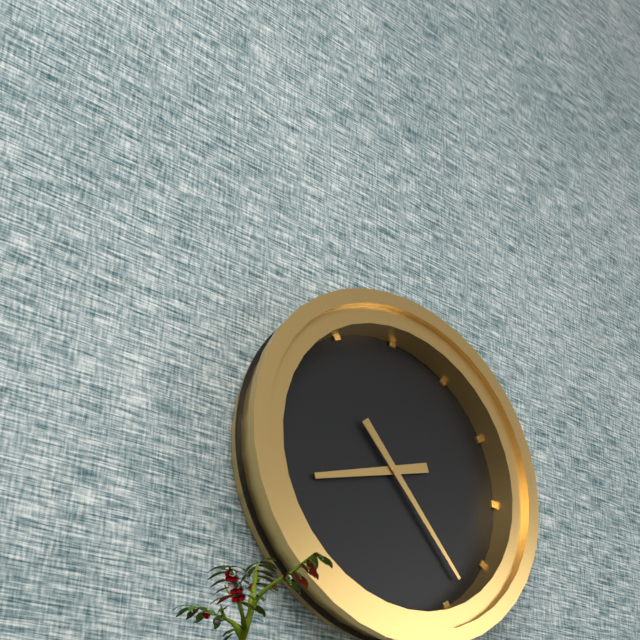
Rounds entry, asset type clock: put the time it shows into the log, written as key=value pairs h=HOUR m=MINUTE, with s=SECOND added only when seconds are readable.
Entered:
h=8 m=23
